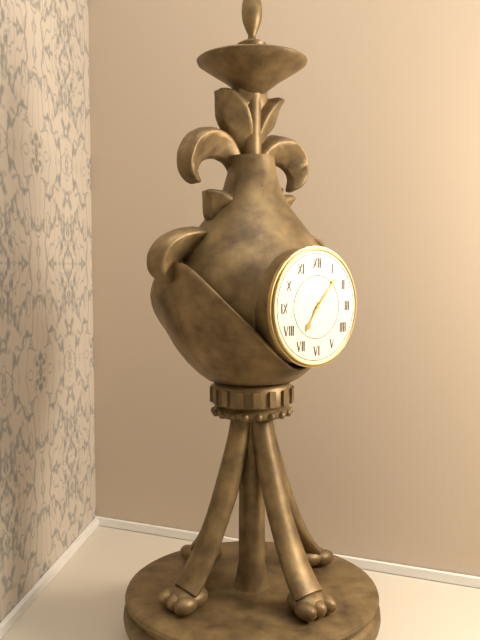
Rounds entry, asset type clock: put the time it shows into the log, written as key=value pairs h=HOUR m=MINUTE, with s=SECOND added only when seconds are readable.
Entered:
h=7 m=7
